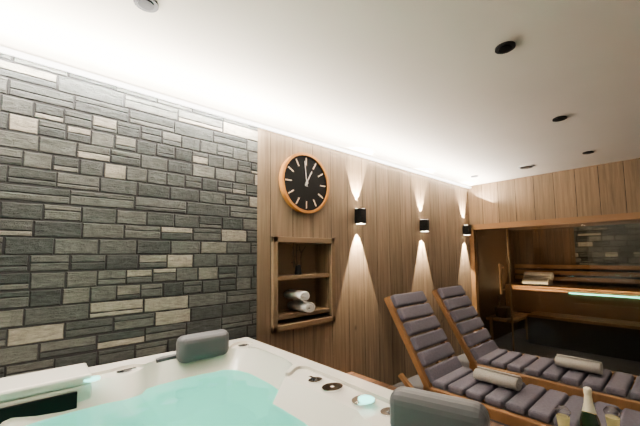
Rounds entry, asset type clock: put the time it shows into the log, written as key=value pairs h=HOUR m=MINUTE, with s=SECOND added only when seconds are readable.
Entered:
h=12 m=59
